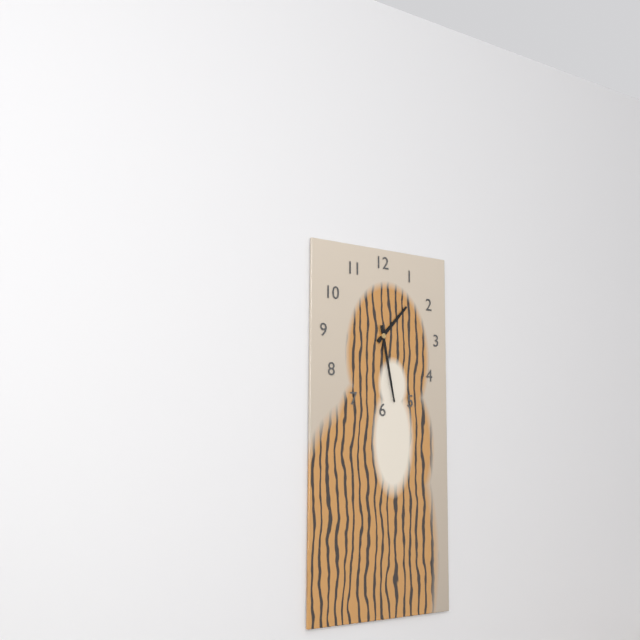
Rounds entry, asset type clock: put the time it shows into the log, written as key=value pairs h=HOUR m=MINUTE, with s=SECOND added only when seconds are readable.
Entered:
h=1 m=28
